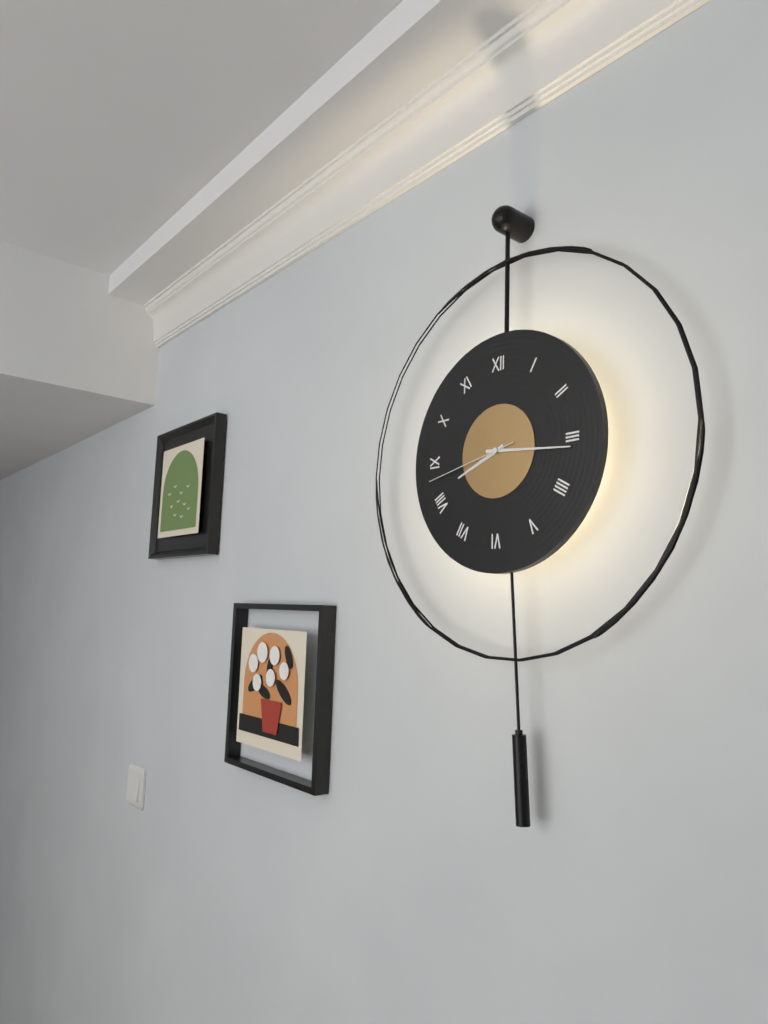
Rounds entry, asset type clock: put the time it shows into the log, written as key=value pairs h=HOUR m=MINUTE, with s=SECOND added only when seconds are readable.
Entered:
h=8 m=16 s=43
